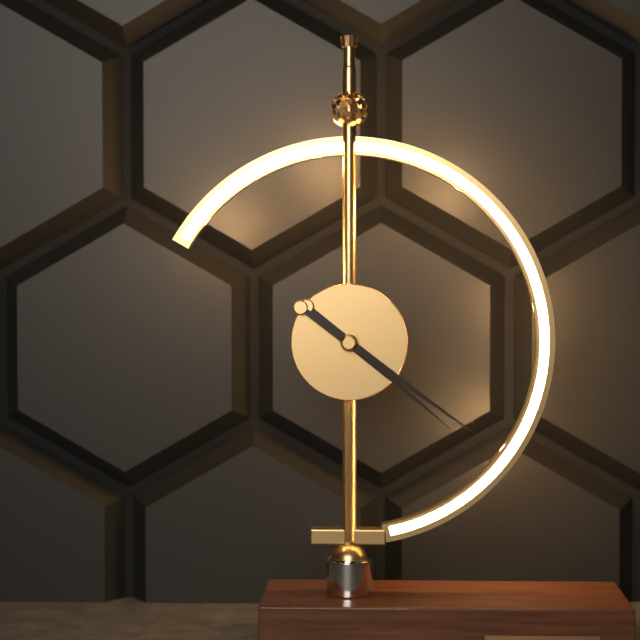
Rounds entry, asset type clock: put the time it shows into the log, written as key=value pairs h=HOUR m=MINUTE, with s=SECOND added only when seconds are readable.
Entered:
h=4 m=21
